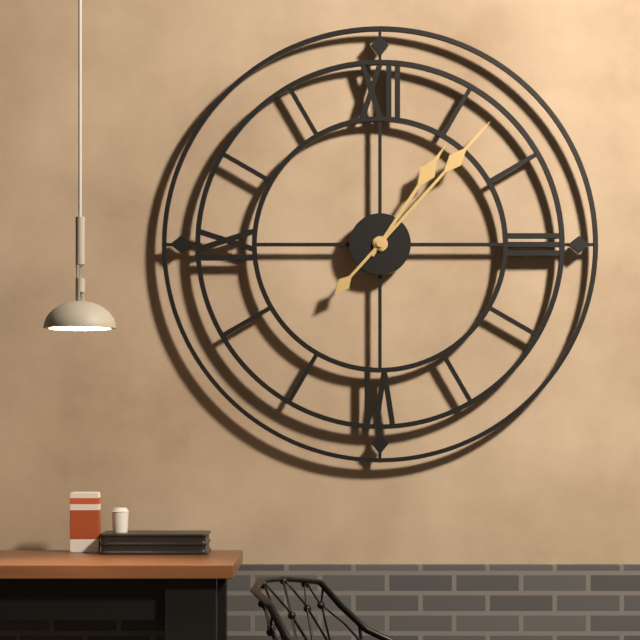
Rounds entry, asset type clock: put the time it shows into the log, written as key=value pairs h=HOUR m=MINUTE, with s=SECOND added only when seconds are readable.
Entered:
h=1 m=7
